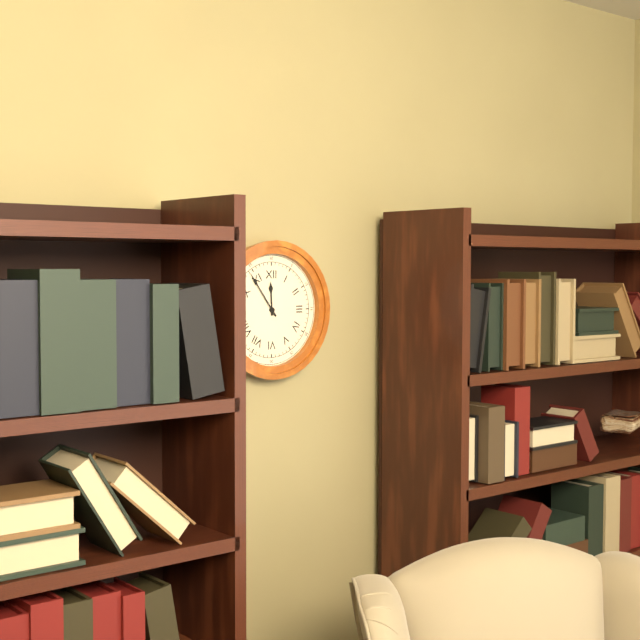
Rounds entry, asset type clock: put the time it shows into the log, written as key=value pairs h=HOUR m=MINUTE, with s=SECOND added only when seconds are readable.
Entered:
h=11 m=54
